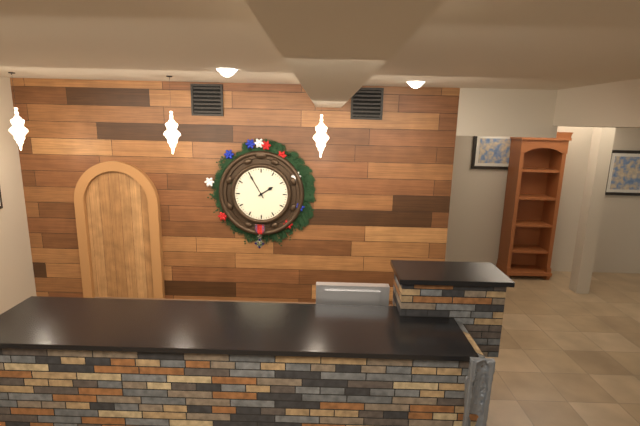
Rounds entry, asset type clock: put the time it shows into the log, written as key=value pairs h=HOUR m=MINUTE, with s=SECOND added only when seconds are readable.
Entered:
h=1 m=55
